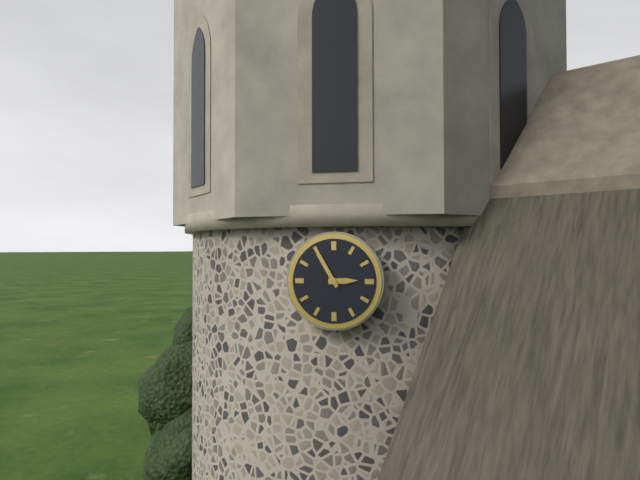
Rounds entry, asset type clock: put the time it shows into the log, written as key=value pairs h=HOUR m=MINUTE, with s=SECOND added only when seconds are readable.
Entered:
h=2 m=55
